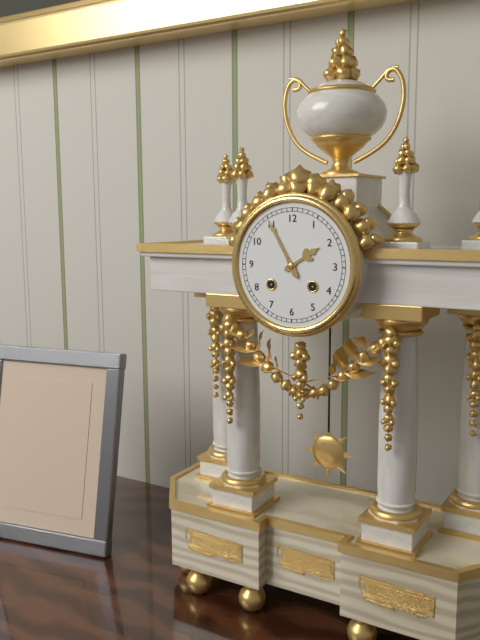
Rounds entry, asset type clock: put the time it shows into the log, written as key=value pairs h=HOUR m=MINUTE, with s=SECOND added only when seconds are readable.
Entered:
h=1 m=55
